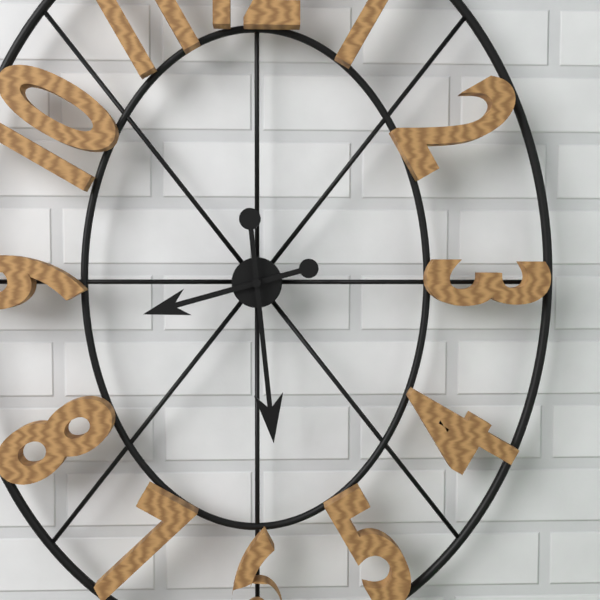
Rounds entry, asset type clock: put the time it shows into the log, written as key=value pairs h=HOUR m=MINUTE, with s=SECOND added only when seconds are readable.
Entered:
h=8 m=29
